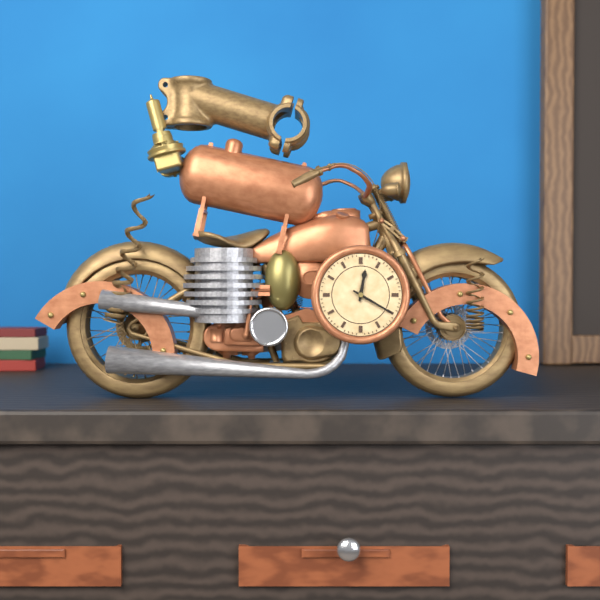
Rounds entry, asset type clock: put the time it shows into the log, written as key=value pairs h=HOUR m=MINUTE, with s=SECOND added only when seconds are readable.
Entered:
h=12 m=20
